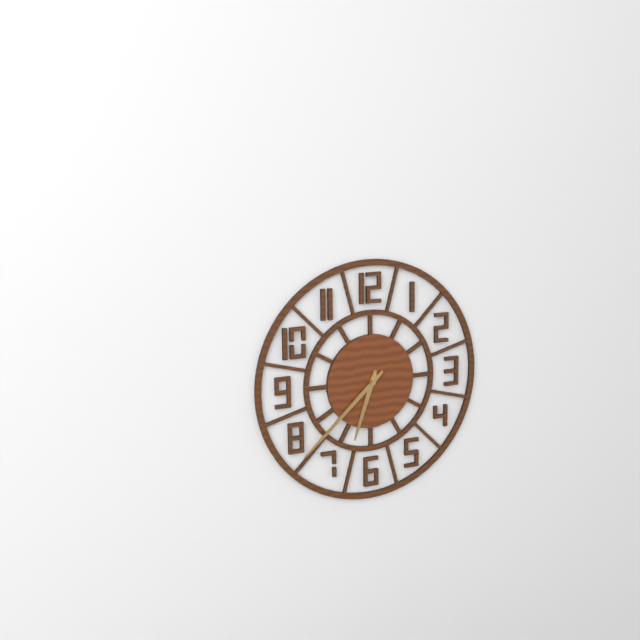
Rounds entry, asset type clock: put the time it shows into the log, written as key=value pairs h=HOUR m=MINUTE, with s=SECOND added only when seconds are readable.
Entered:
h=6 m=38
